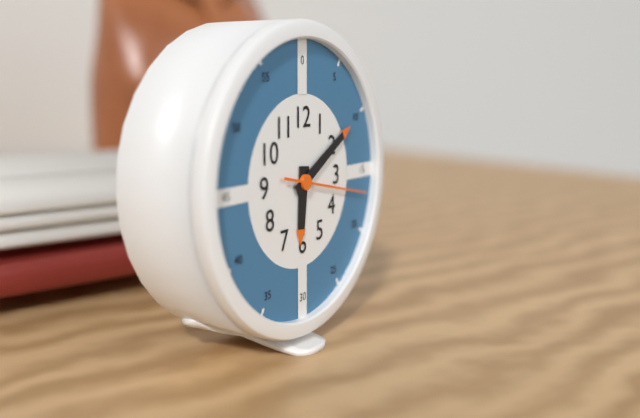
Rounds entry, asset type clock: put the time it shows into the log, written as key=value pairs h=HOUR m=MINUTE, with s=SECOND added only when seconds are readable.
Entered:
h=6 m=10 s=17
